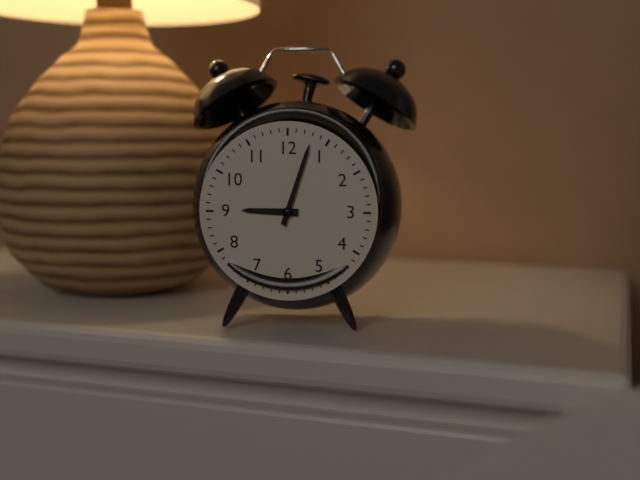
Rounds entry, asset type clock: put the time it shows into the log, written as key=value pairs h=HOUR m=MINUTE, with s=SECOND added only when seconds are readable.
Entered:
h=9 m=3
